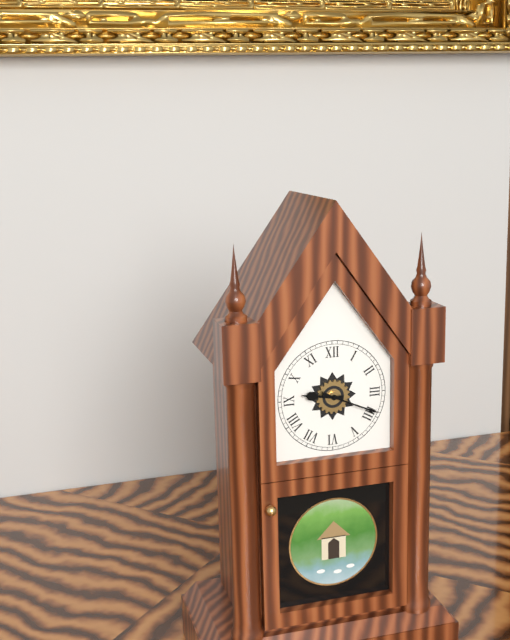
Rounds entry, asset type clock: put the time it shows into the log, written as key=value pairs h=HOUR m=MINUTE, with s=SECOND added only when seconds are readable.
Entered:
h=9 m=19
